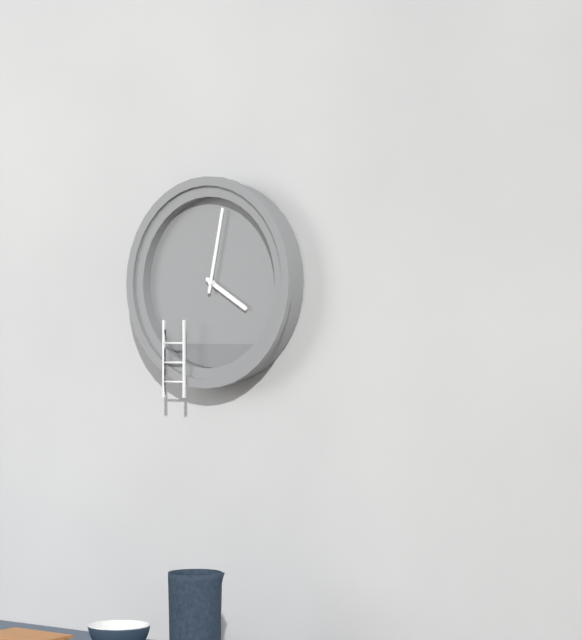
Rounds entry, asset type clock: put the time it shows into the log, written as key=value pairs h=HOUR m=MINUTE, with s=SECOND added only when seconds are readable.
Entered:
h=4 m=2
